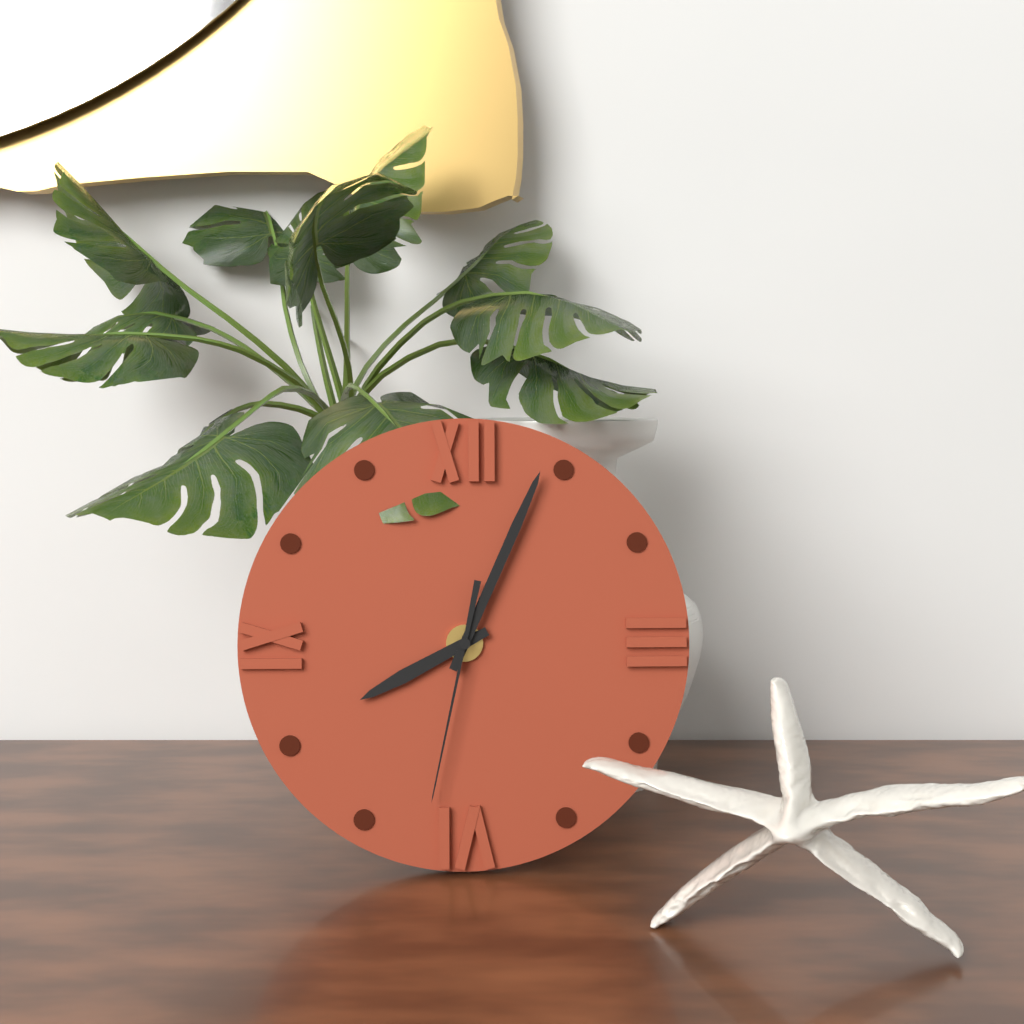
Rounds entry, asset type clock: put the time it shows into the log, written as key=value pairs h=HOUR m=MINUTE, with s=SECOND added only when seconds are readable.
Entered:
h=8 m=4 s=32
